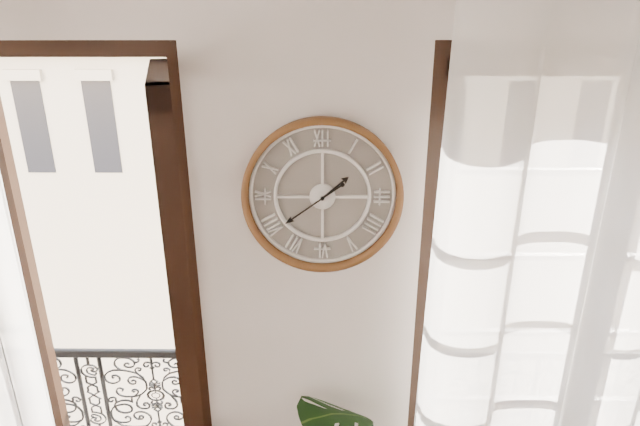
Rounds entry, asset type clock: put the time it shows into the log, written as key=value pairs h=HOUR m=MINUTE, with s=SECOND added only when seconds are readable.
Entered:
h=1 m=39
